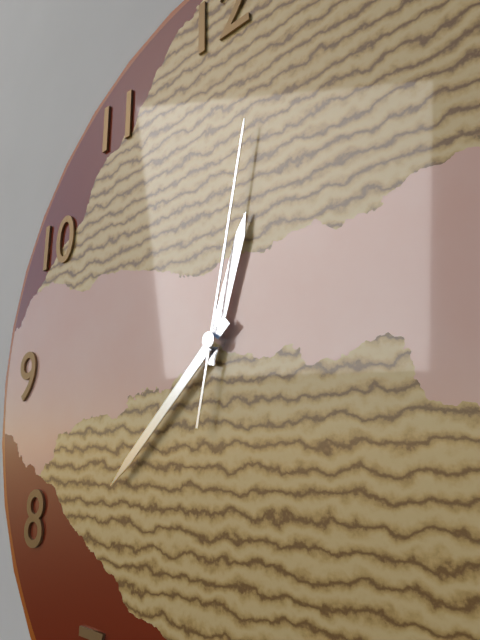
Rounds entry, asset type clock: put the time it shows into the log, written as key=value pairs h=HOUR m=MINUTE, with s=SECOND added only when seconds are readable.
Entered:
h=12 m=38 s=2
